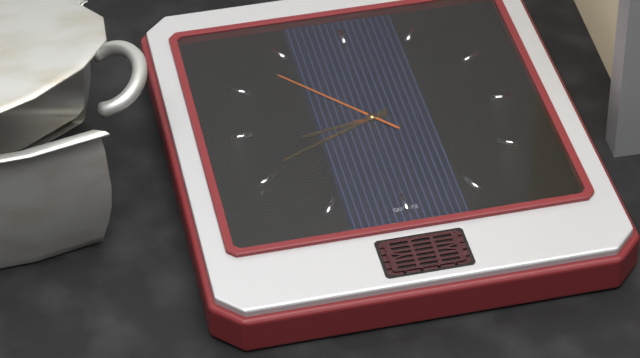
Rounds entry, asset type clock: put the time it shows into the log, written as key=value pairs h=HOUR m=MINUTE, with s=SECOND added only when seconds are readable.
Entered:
h=8 m=41 s=53
